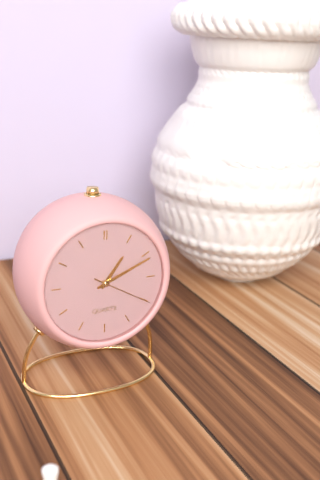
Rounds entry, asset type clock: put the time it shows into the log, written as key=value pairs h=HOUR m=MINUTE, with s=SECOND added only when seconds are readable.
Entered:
h=1 m=11 s=20
